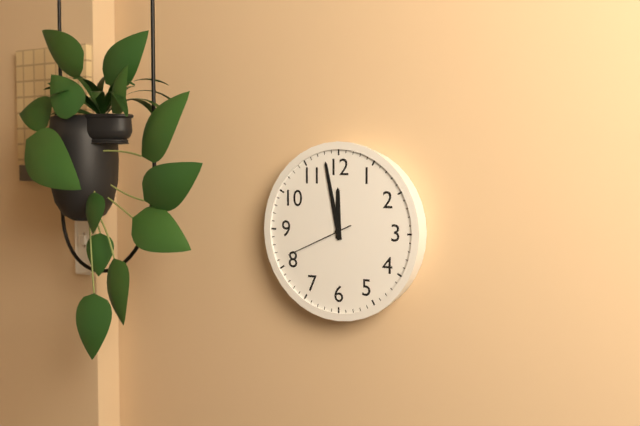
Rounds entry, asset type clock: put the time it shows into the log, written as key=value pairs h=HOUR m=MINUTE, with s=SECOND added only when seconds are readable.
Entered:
h=11 m=58 s=41
